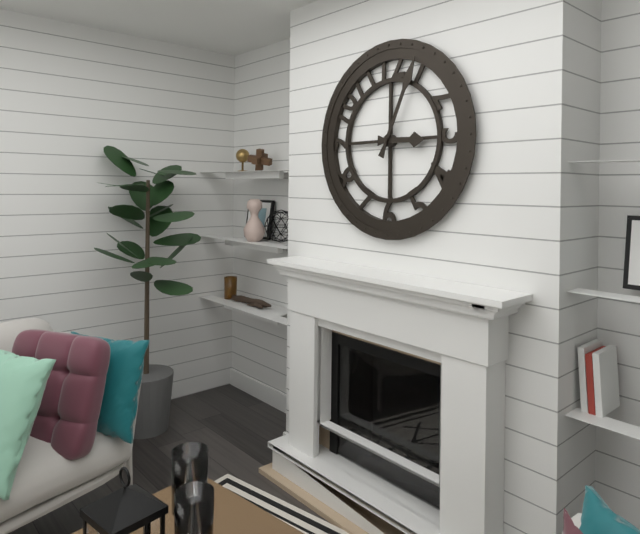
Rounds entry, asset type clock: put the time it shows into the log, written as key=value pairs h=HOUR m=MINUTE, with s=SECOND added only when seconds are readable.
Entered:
h=3 m=4
